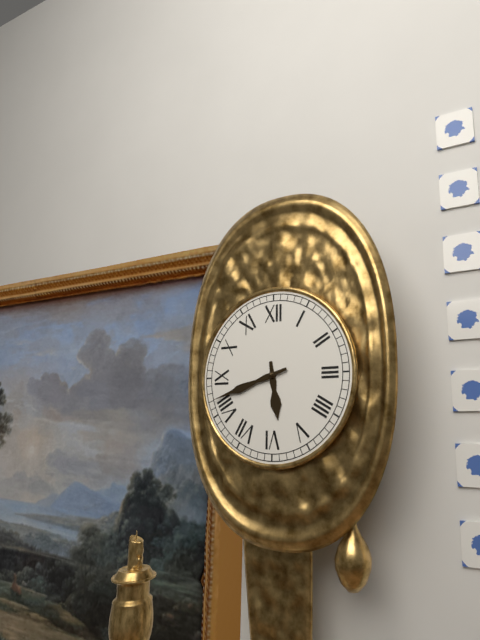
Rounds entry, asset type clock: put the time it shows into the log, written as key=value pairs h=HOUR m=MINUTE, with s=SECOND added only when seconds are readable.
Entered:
h=5 m=42
